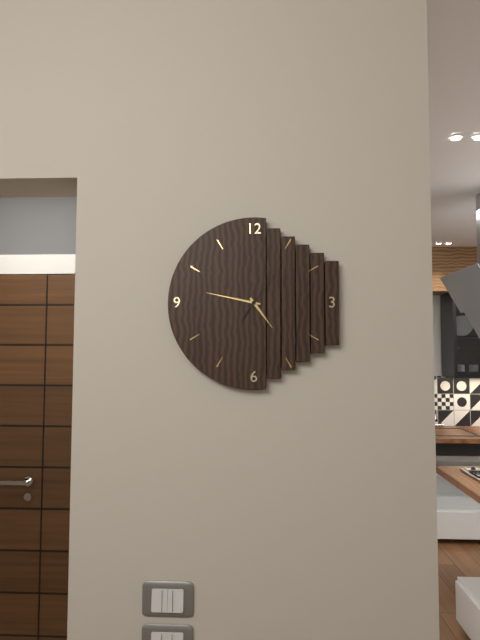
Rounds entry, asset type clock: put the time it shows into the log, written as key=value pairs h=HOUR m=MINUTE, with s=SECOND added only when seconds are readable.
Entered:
h=4 m=47 s=6
